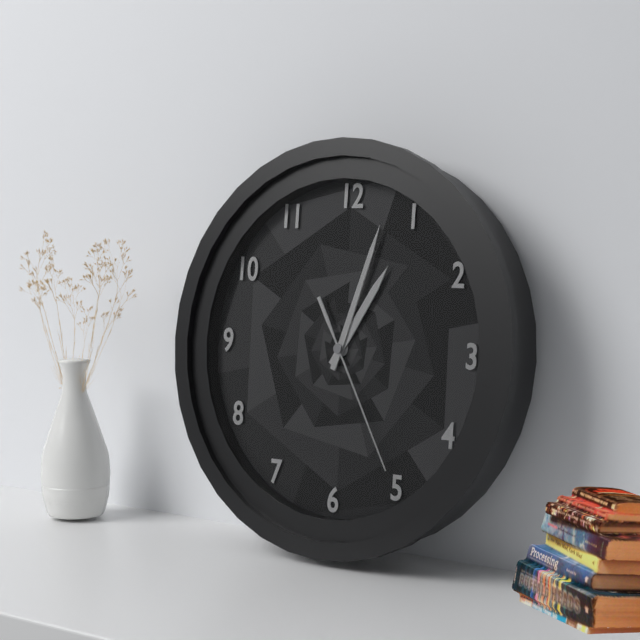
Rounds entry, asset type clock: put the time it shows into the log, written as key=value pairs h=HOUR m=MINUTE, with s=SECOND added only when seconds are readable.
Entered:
h=1 m=3 s=25
